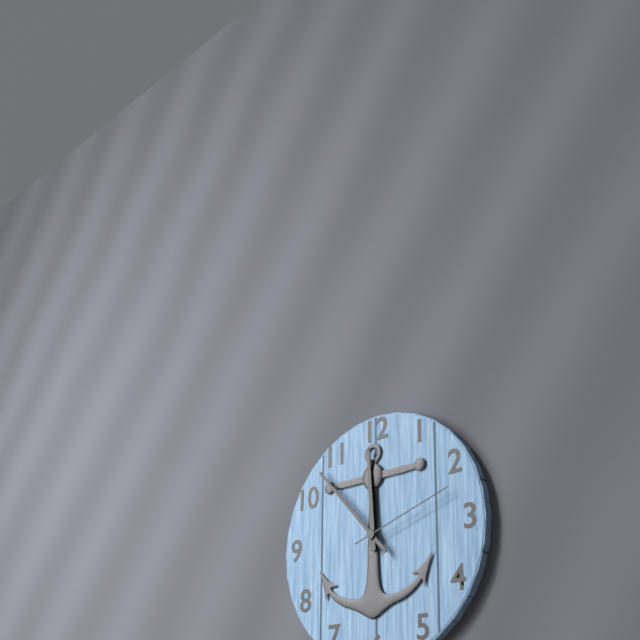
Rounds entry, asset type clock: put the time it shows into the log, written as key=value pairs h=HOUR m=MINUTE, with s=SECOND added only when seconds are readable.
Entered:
h=11 m=53 s=12
